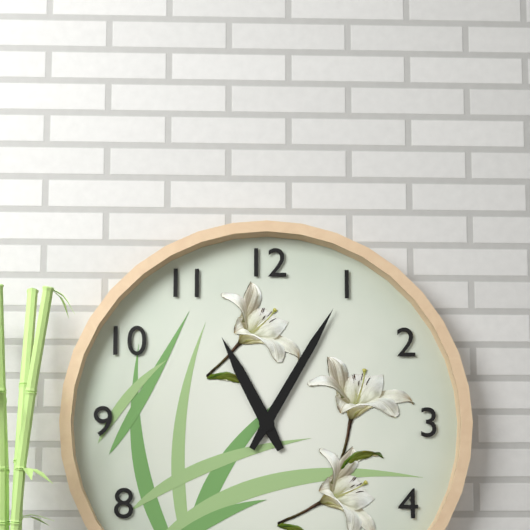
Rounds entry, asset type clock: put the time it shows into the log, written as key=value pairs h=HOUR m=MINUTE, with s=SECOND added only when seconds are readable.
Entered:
h=11 m=5
